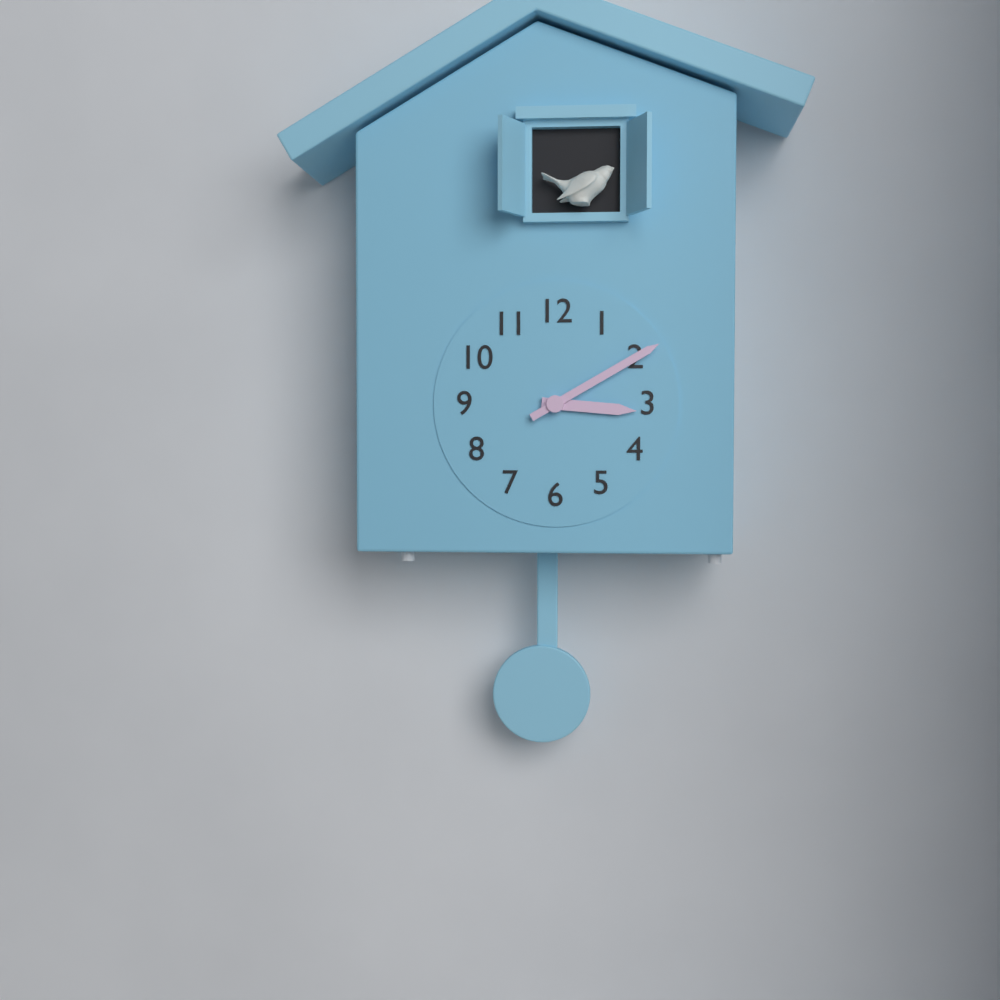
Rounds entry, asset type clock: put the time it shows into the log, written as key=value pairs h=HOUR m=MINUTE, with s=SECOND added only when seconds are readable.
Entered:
h=3 m=10
